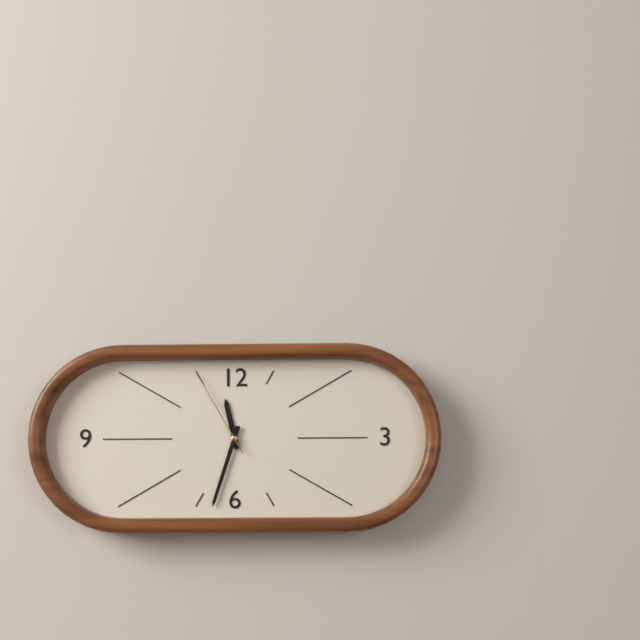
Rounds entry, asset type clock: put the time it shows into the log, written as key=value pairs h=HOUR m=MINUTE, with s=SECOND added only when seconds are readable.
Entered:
h=11 m=33 s=55
